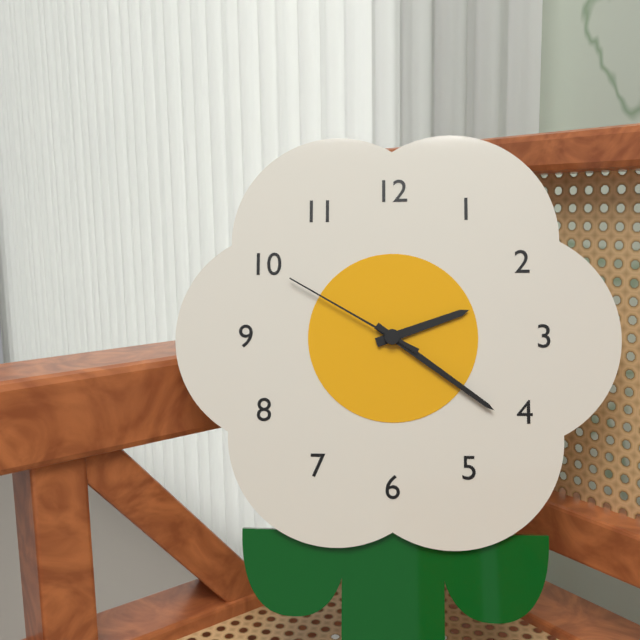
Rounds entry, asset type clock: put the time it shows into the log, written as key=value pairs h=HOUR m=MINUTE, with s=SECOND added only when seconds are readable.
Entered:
h=2 m=21 s=50
